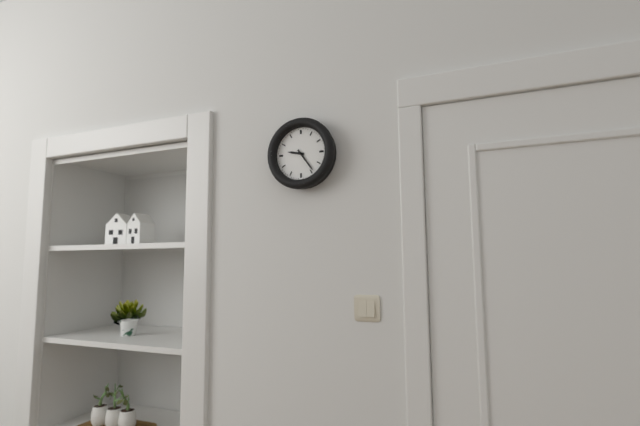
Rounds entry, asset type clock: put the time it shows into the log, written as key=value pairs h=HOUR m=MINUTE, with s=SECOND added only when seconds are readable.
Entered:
h=9 m=24
